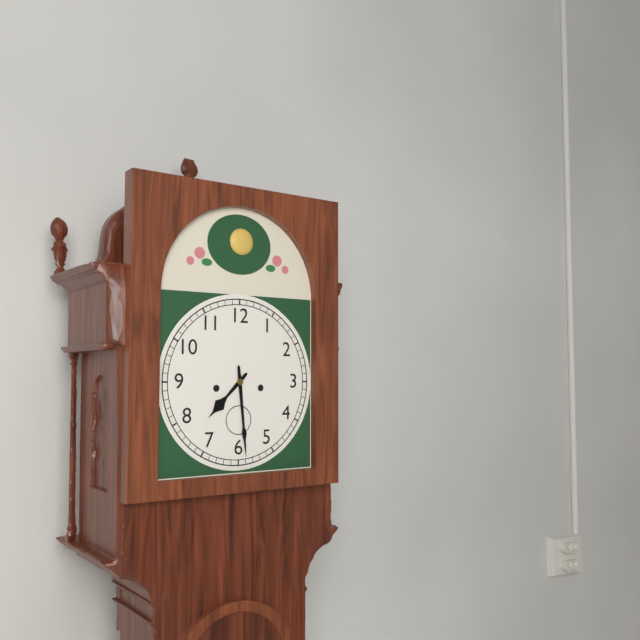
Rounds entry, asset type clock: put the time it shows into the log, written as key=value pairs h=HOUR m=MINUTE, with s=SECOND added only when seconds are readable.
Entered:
h=7 m=29
